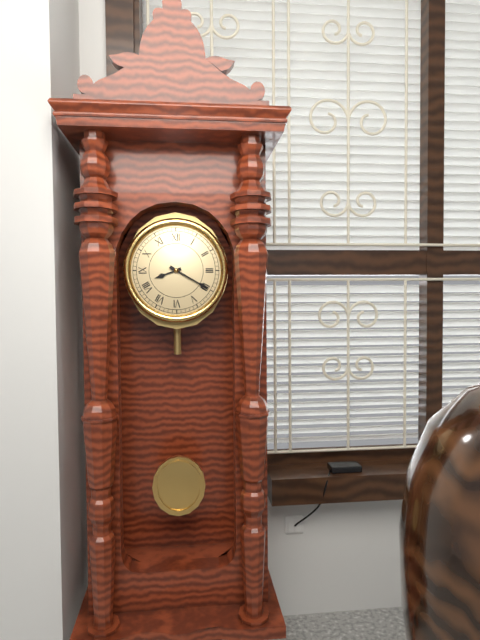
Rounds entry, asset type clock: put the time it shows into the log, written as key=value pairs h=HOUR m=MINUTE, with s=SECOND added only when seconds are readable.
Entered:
h=8 m=20
